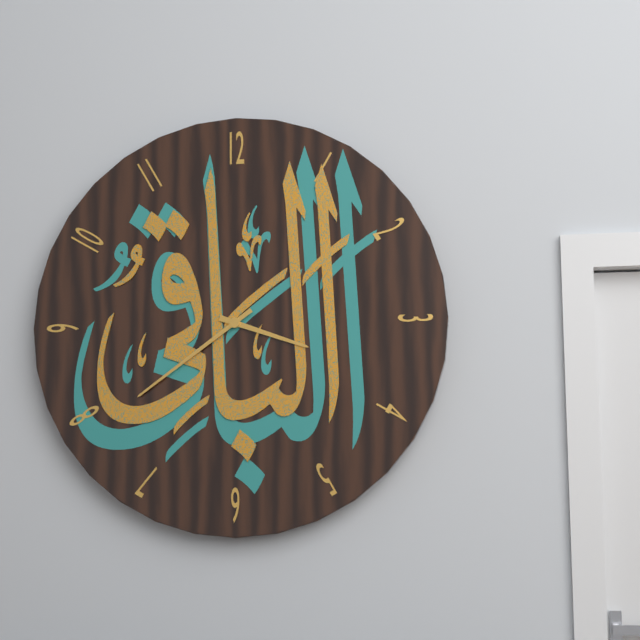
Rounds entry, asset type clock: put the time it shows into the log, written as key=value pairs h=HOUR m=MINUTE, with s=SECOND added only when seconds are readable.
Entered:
h=3 m=39
